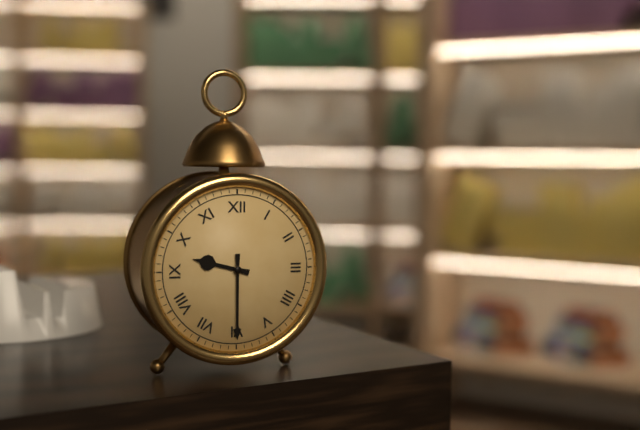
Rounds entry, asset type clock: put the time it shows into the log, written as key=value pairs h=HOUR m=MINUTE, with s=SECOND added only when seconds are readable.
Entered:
h=9 m=30
